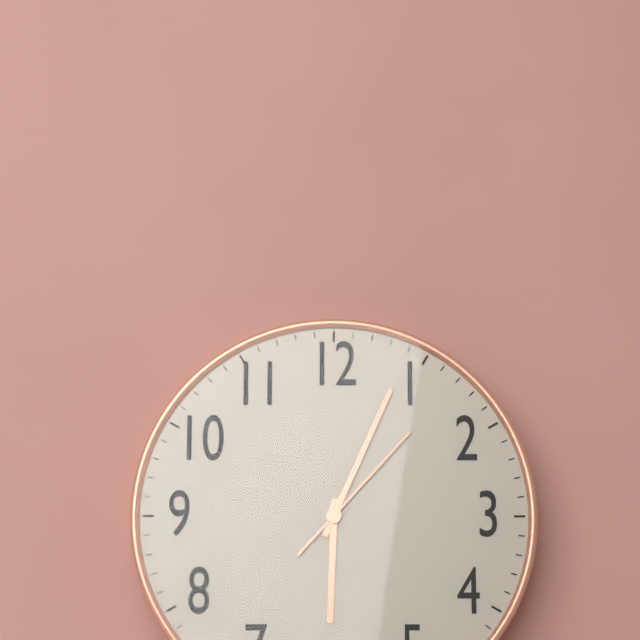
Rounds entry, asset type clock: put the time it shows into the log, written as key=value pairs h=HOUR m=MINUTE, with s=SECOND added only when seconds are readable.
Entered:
h=6 m=4 s=7
